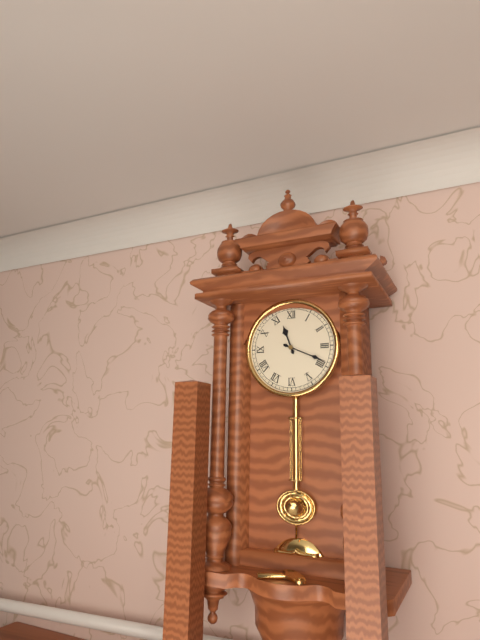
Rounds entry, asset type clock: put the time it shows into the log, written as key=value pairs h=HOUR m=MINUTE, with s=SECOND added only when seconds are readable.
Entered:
h=11 m=19
